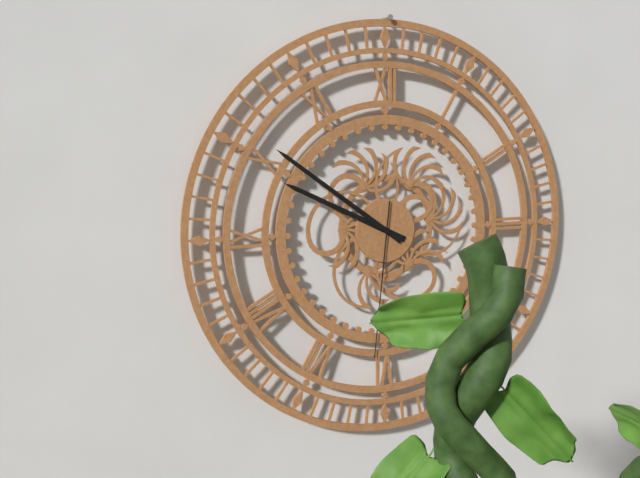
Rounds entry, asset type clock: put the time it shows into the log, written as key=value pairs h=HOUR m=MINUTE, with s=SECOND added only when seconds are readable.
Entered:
h=9 m=51 s=31
